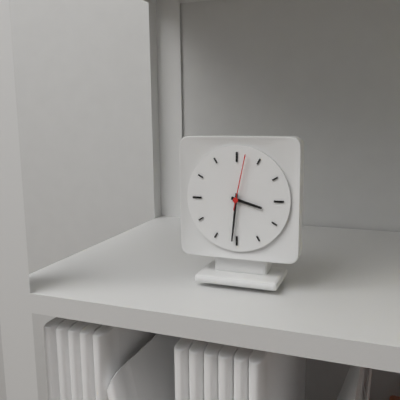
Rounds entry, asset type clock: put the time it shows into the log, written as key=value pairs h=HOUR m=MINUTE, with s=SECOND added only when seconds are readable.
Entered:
h=3 m=31 s=2
